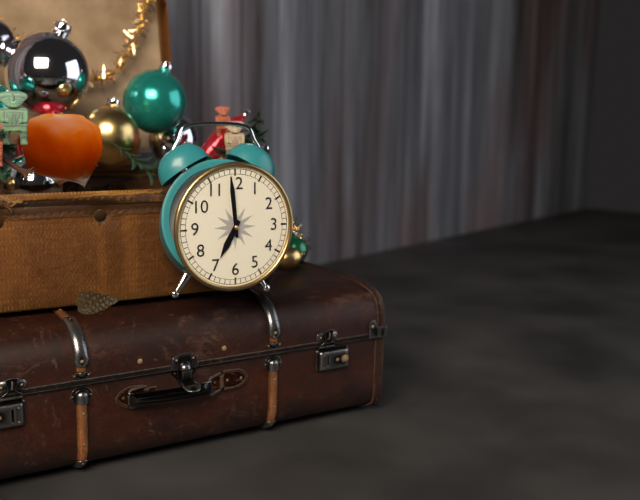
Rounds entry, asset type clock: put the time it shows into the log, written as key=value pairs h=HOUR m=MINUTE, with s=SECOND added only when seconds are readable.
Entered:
h=6 m=59
